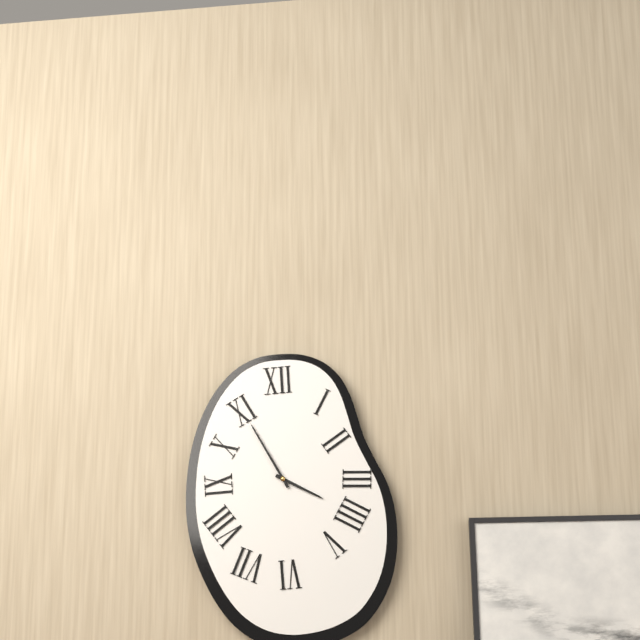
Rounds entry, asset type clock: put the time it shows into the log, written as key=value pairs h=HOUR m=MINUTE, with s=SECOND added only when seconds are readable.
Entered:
h=3 m=55
